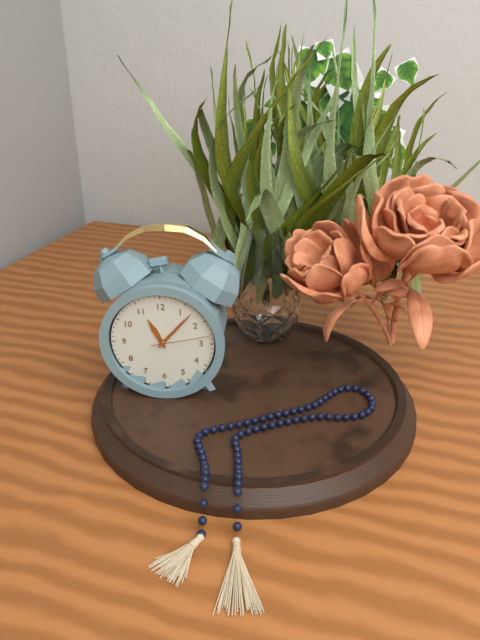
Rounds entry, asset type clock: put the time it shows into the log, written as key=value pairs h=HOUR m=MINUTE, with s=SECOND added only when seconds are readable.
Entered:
h=11 m=7 s=13
